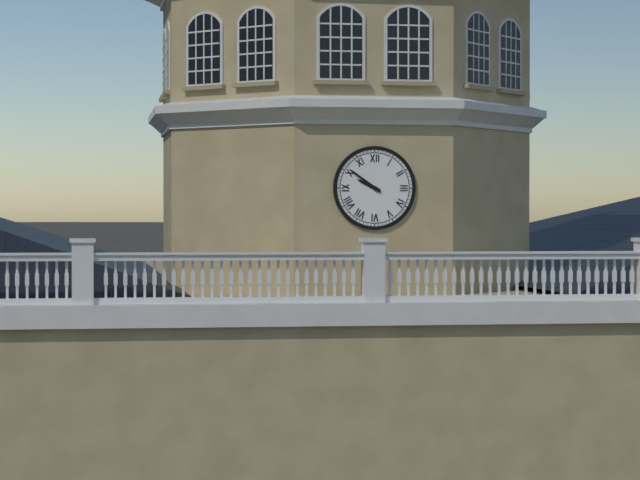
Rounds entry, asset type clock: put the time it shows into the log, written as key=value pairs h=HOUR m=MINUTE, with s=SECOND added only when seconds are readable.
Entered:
h=9 m=51
